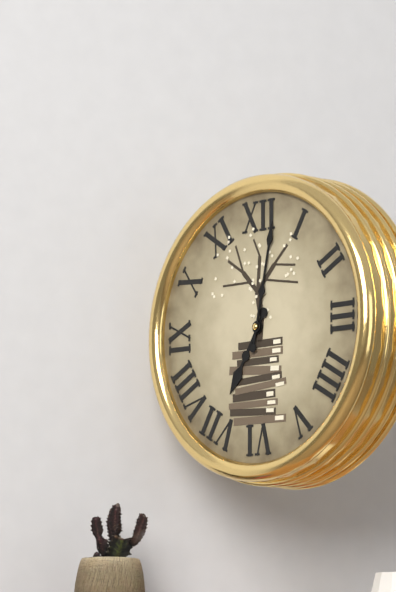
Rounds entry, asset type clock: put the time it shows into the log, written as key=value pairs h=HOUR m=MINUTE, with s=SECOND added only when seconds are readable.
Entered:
h=7 m=2
